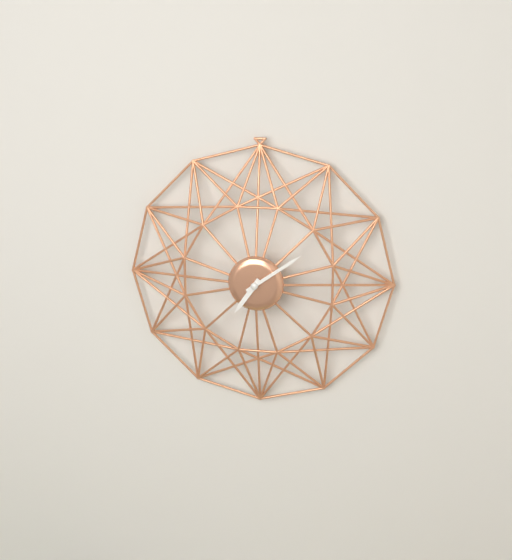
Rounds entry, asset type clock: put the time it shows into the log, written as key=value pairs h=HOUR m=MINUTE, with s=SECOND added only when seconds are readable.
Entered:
h=7 m=9
